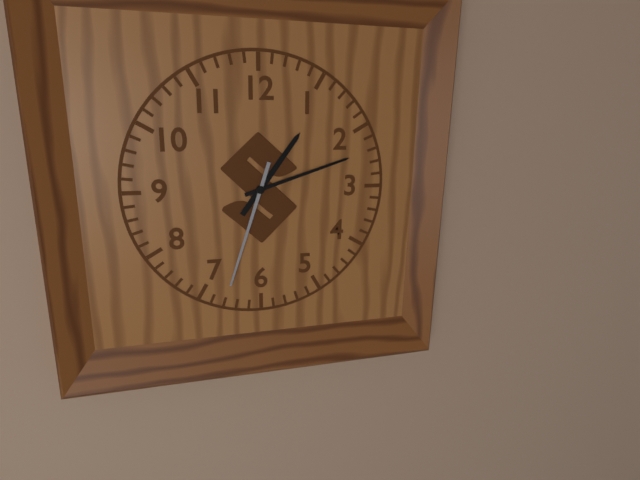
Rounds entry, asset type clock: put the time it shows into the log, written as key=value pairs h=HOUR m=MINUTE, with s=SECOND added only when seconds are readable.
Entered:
h=1 m=12 s=33
